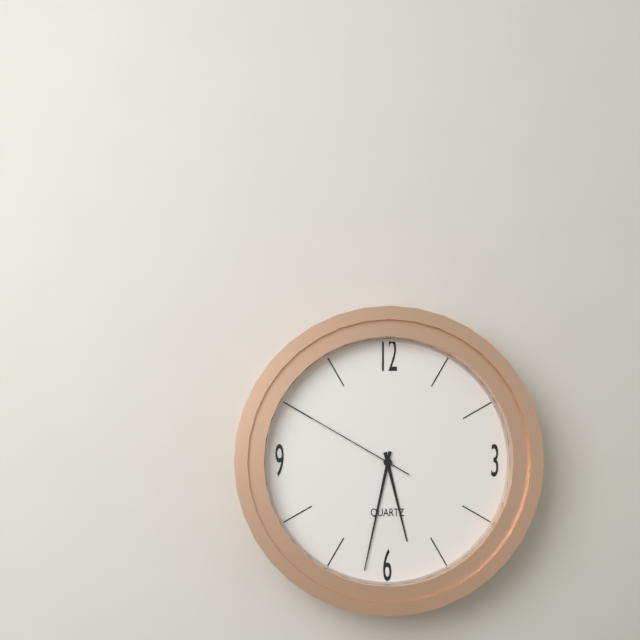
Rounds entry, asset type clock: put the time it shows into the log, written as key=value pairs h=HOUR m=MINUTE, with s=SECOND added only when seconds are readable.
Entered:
h=5 m=32 s=50
